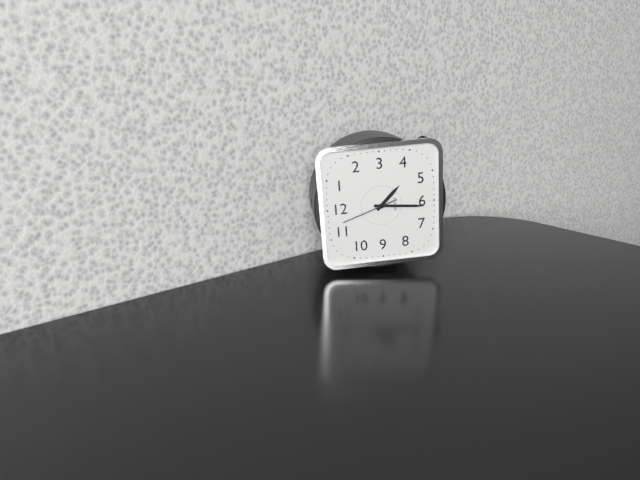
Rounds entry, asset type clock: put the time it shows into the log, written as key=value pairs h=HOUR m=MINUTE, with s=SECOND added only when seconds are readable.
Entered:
h=4 m=31 s=57
